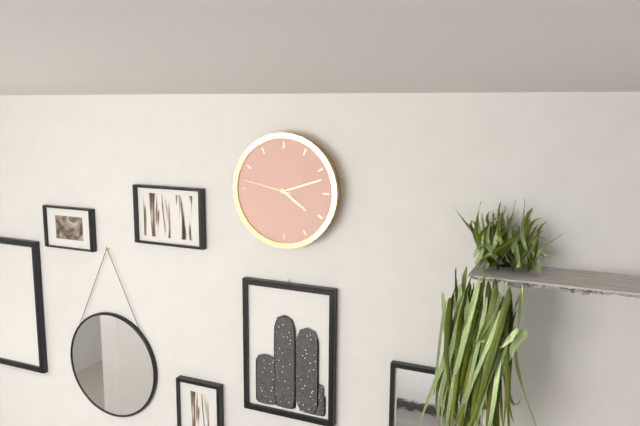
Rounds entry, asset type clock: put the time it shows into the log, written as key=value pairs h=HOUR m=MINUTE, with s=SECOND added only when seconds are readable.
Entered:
h=4 m=12 s=47
